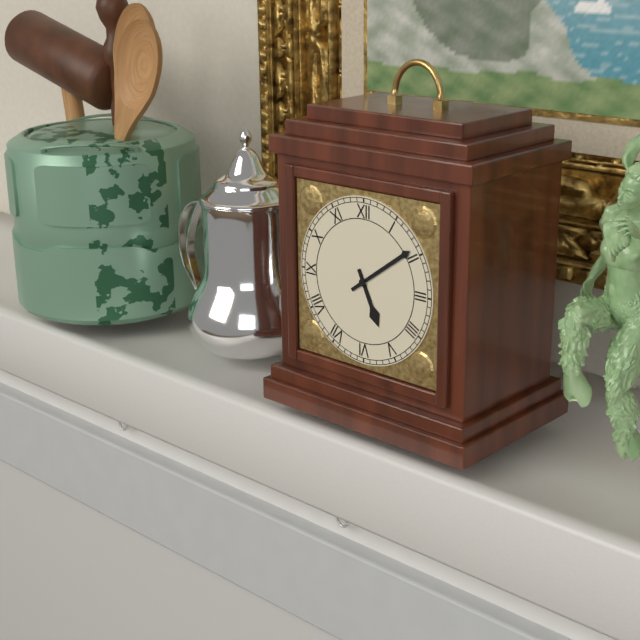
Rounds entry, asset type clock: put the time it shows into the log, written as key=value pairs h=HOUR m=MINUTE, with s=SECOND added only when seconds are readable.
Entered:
h=5 m=9
